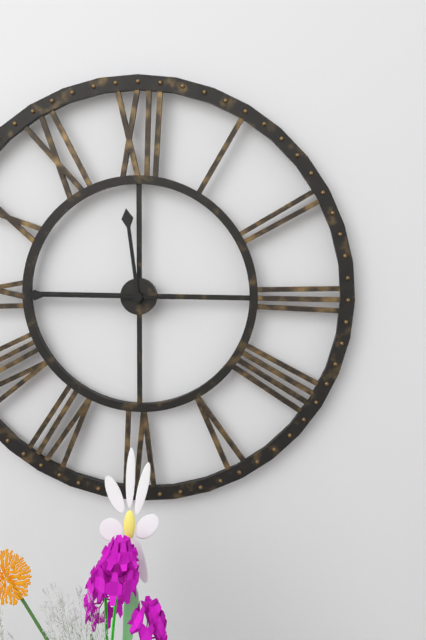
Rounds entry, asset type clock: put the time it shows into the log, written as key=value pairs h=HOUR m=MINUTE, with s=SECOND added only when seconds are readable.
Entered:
h=11 m=45
